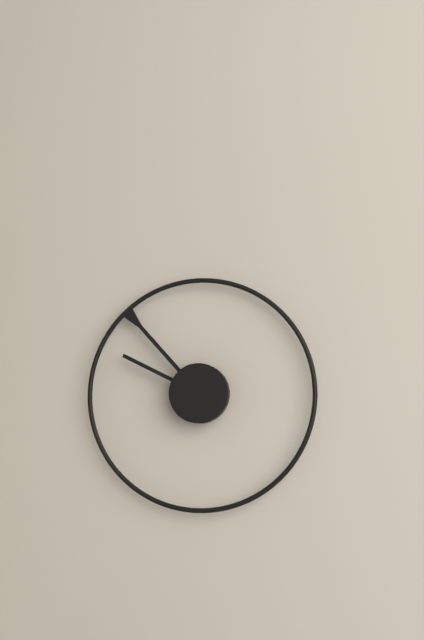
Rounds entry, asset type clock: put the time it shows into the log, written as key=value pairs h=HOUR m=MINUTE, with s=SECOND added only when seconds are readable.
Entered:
h=9 m=53
